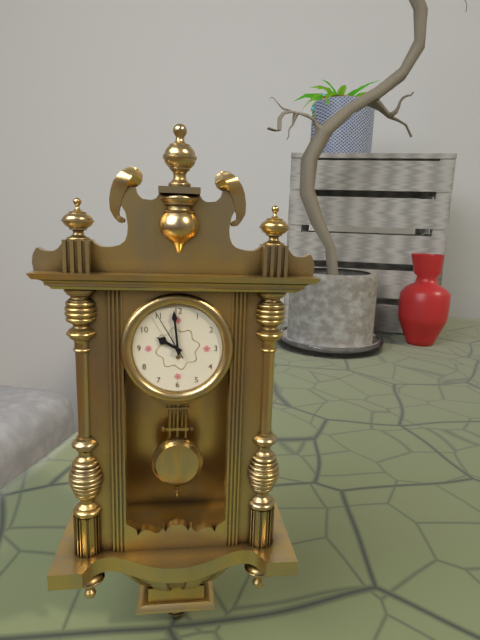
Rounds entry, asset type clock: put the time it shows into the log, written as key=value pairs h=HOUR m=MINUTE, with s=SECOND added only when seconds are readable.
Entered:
h=9 m=59 s=55
